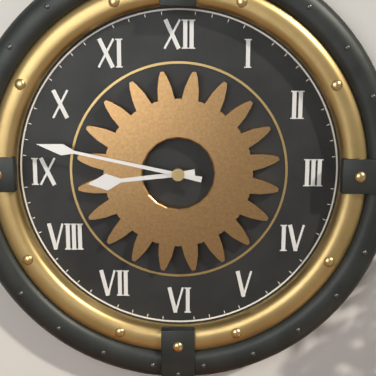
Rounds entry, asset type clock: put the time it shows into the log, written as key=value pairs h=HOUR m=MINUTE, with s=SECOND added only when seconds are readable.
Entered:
h=8 m=47
